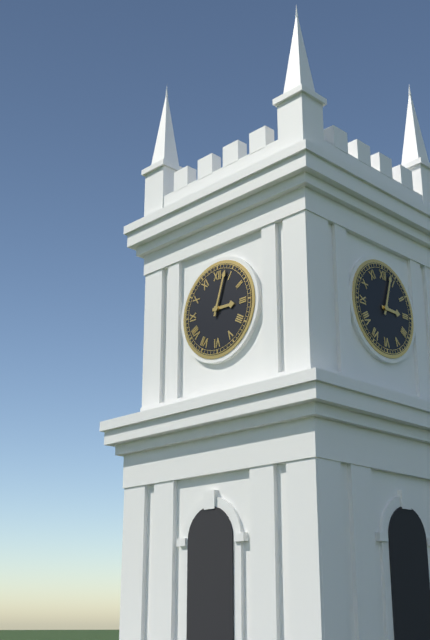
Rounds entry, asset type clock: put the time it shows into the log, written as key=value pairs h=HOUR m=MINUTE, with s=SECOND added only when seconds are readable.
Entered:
h=3 m=3
